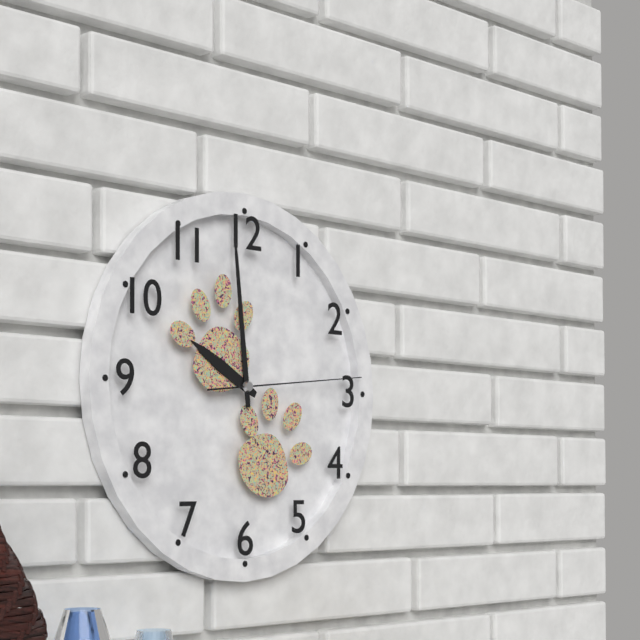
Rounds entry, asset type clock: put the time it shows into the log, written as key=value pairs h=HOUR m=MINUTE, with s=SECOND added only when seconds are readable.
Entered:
h=9 m=59 s=14
